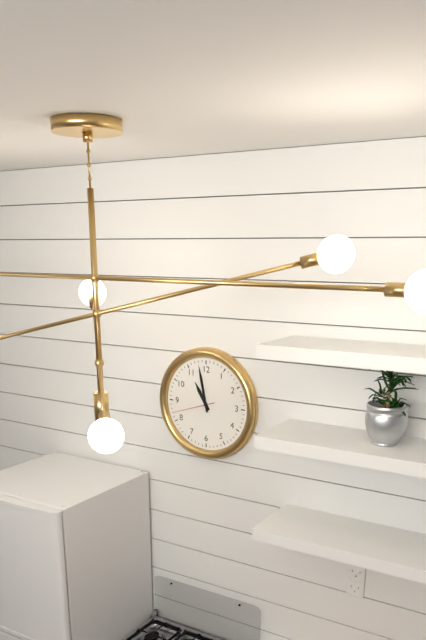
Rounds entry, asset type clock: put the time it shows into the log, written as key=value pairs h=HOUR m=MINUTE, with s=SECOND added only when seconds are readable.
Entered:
h=10 m=58
